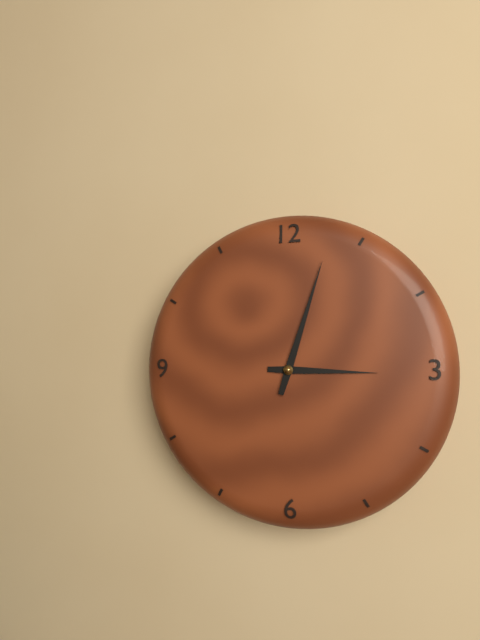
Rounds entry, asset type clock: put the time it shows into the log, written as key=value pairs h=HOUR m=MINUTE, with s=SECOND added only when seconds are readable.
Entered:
h=3 m=3
